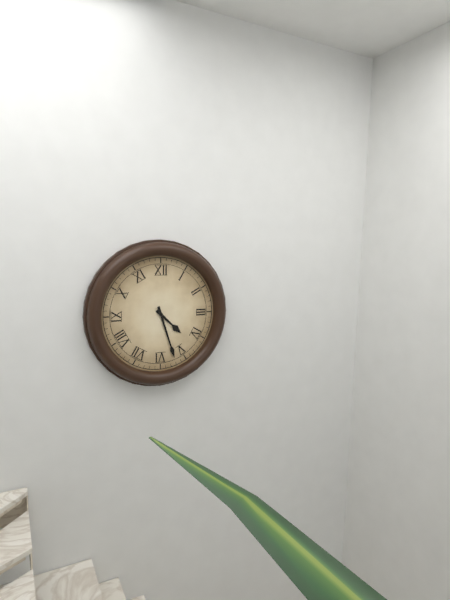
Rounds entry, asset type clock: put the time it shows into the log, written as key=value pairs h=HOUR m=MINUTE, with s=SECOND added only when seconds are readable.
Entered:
h=4 m=27
